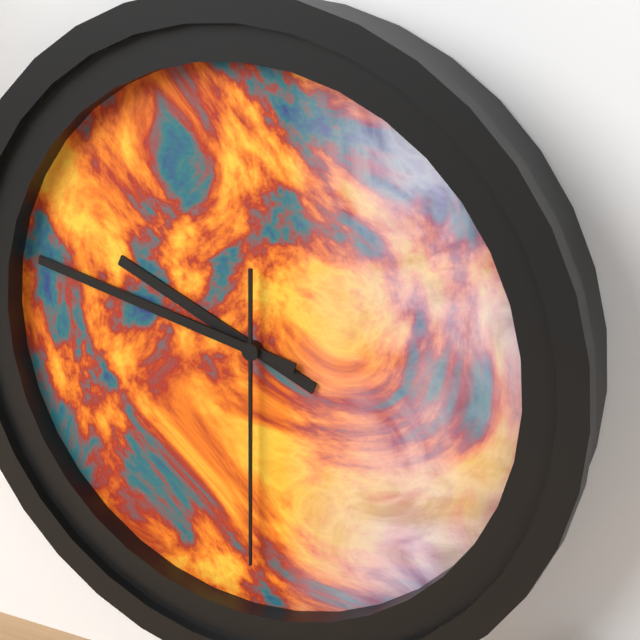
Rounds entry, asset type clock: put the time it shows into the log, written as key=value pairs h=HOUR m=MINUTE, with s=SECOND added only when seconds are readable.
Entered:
h=9 m=47 s=30
